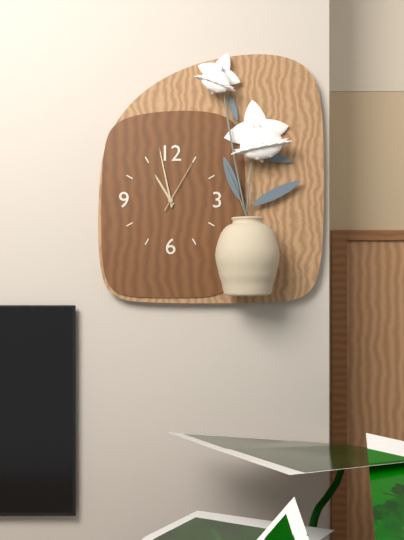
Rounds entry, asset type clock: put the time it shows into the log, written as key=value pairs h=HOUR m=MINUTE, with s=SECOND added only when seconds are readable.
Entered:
h=10 m=58 s=5
